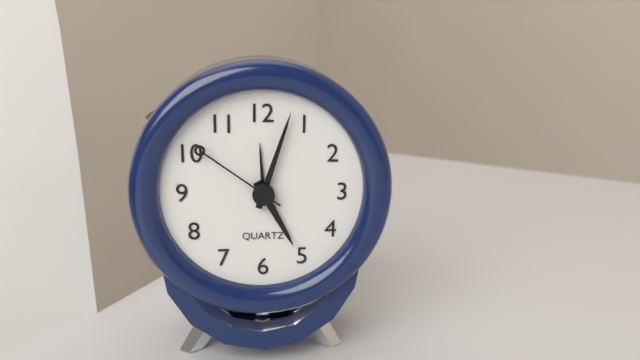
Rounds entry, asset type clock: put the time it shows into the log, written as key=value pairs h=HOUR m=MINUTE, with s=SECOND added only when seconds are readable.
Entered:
h=5 m=3 s=51
